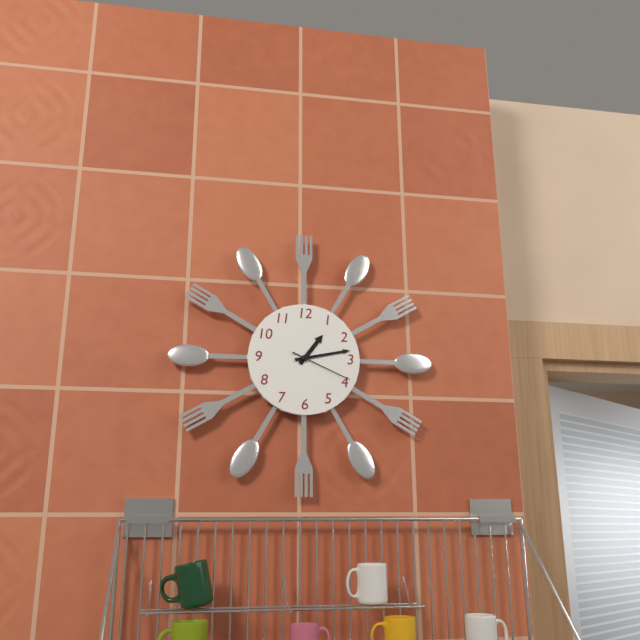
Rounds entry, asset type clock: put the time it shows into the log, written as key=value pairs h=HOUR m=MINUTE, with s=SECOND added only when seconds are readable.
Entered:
h=1 m=13 s=19
